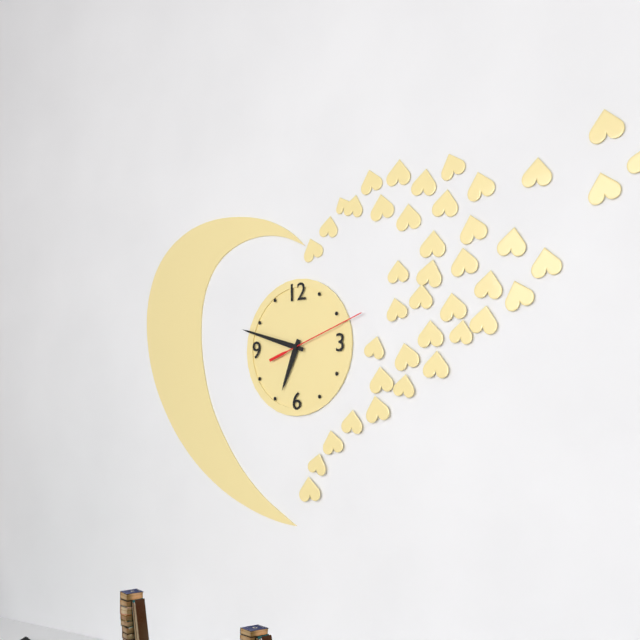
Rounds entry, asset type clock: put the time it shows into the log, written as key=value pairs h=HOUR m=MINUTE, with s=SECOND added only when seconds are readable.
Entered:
h=6 m=48 s=12
